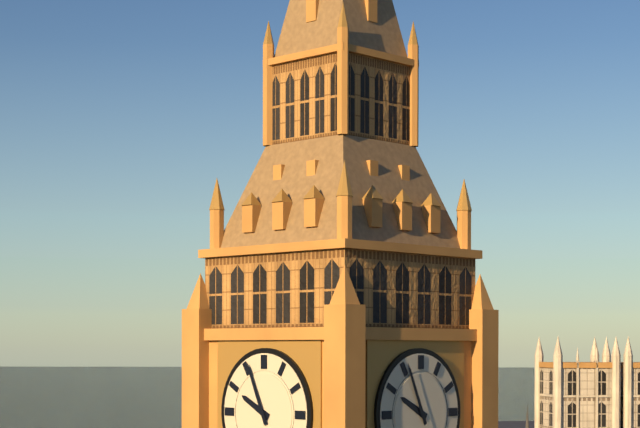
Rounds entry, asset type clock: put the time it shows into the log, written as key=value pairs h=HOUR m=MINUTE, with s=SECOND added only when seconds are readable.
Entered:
h=9 m=56
